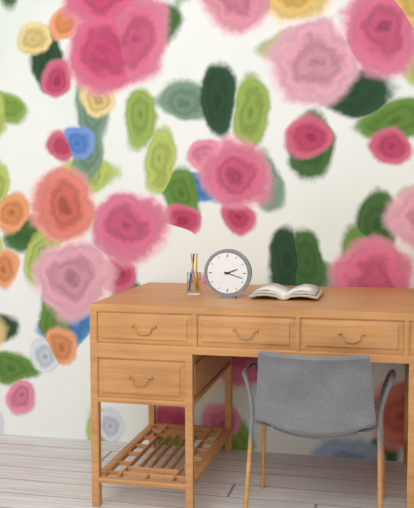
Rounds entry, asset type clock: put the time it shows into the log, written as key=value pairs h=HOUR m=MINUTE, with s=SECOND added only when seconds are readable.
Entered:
h=2 m=18
